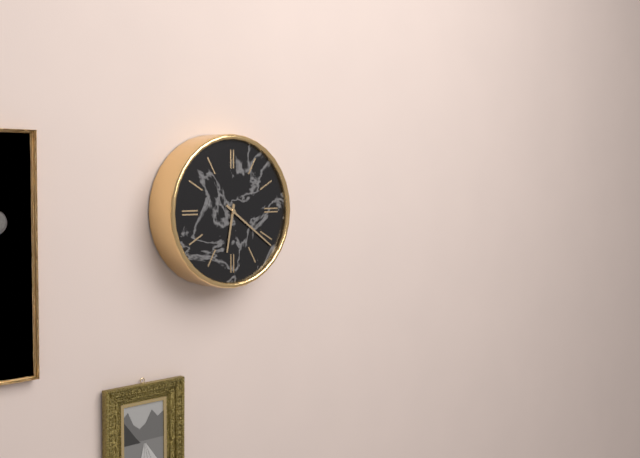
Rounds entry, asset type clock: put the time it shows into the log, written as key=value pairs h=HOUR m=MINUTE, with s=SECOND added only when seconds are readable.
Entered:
h=6 m=21
